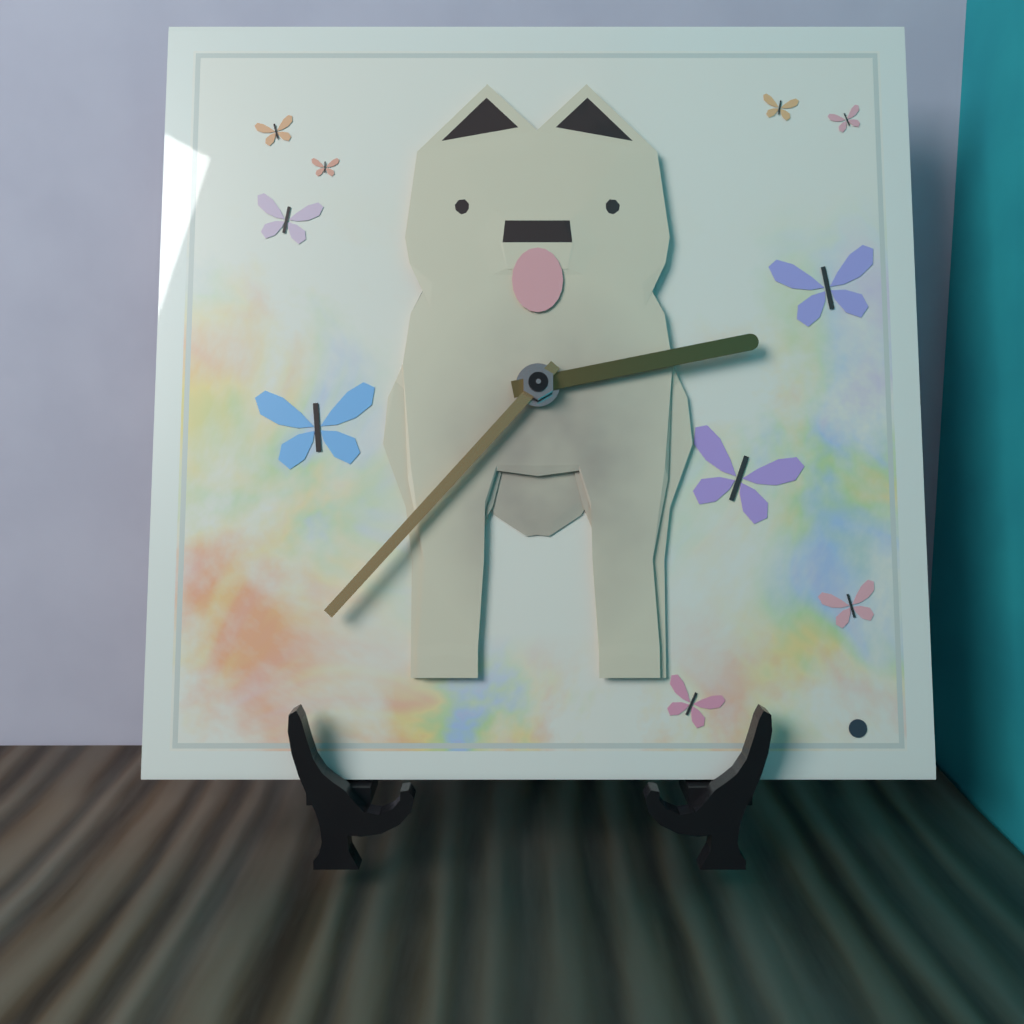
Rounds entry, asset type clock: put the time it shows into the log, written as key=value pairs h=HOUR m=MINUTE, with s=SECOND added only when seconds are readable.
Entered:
h=2 m=37
